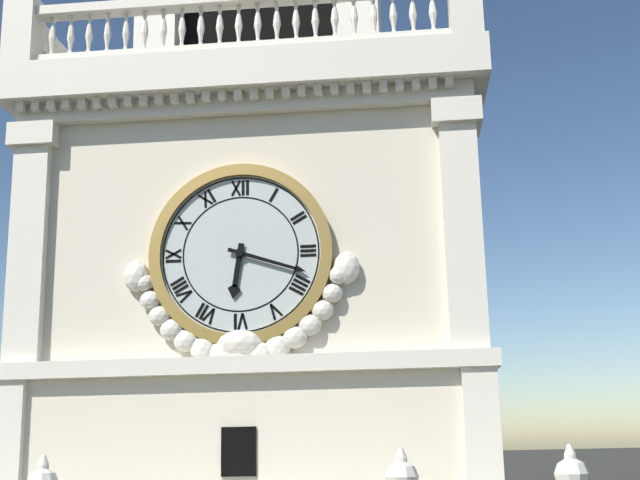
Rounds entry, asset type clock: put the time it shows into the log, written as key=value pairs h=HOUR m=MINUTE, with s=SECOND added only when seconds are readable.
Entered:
h=6 m=18
